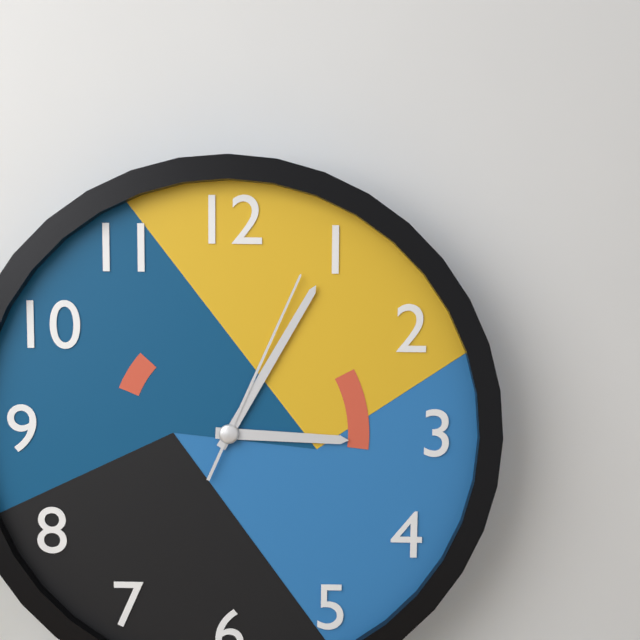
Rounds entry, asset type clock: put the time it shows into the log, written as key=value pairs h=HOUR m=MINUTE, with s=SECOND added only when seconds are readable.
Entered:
h=3 m=5 s=4
